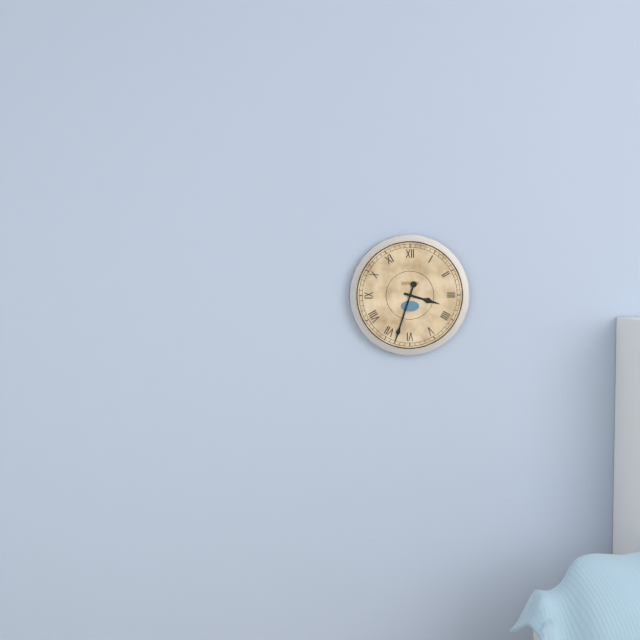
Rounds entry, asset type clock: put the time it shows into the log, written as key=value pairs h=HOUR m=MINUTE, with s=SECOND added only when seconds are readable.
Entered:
h=3 m=33
